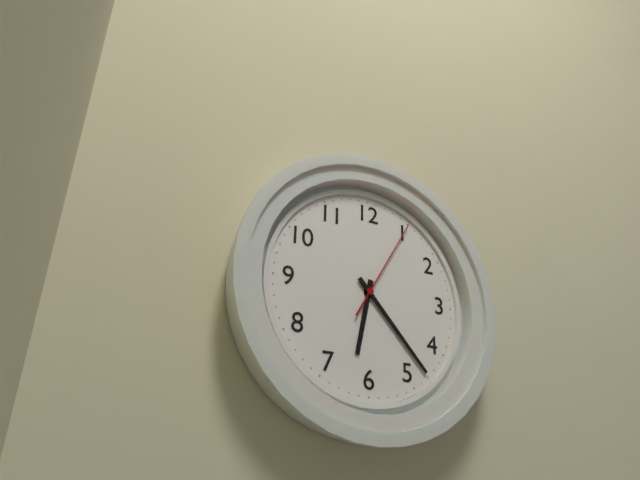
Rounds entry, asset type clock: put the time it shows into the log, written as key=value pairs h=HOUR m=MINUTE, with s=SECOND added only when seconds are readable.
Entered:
h=6 m=23 s=5
